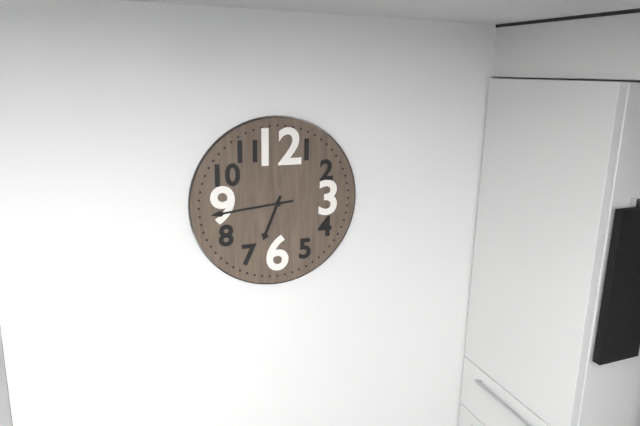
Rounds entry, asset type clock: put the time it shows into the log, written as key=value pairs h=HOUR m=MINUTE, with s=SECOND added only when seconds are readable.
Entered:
h=6 m=44
